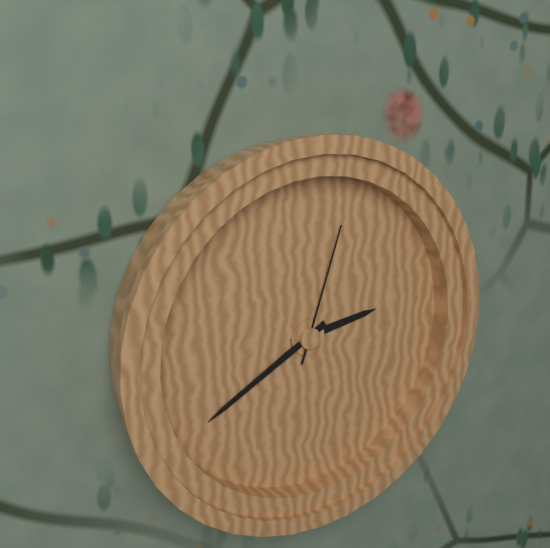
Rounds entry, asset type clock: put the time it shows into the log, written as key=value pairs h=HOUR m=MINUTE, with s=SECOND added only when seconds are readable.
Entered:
h=2 m=40 s=3
